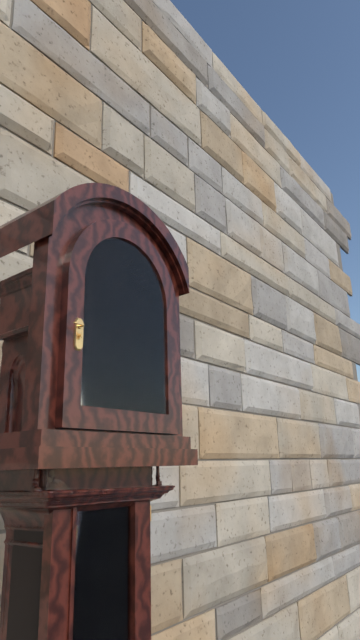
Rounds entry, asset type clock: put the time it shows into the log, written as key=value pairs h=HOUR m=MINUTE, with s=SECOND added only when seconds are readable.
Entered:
h=10 m=56
